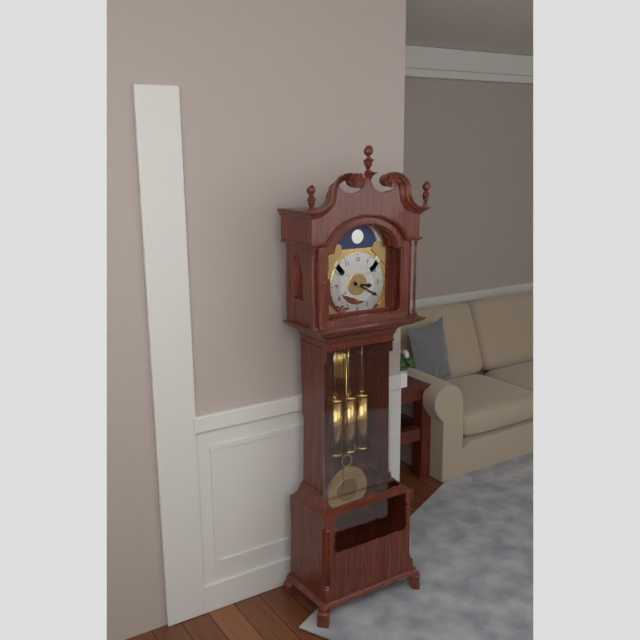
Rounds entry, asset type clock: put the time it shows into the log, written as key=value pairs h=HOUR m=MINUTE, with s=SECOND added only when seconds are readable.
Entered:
h=3 m=20
